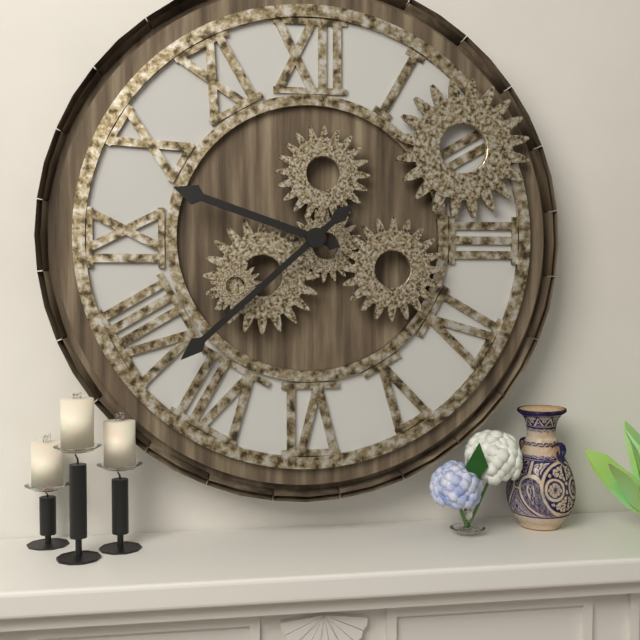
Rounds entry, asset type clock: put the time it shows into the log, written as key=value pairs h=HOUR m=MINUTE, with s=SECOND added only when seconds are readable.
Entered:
h=9 m=38
